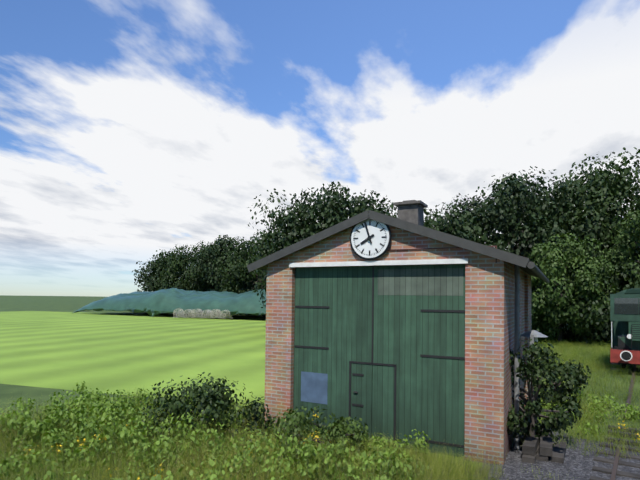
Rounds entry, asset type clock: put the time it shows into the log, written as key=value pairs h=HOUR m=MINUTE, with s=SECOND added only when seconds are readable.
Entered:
h=7 m=57
